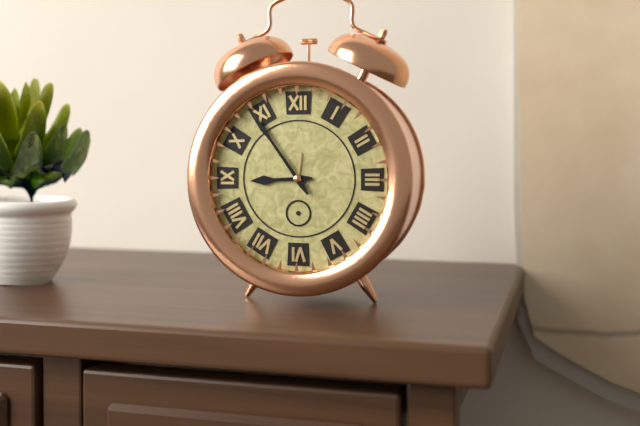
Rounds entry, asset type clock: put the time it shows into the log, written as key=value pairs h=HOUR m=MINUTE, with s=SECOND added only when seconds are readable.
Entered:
h=8 m=54
